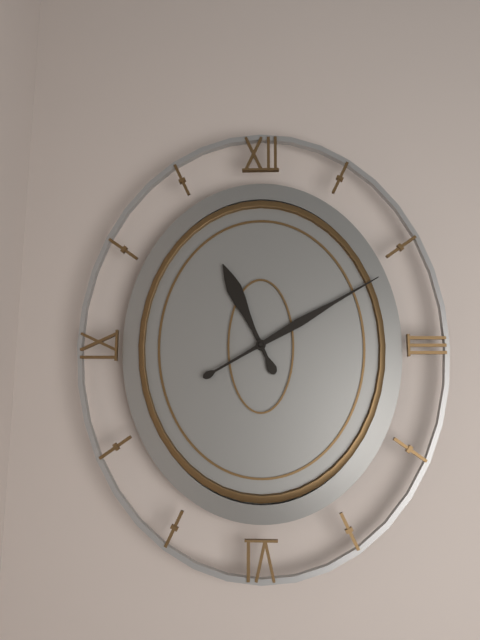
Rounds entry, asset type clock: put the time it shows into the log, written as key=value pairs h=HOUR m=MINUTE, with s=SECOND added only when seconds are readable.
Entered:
h=11 m=10
